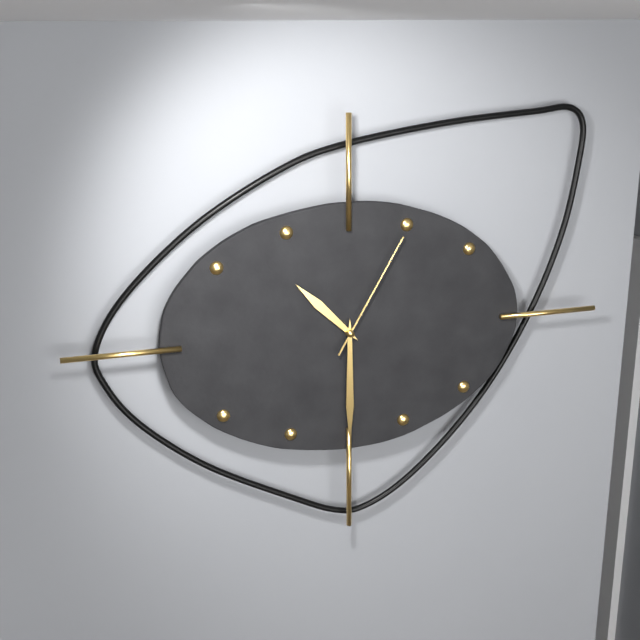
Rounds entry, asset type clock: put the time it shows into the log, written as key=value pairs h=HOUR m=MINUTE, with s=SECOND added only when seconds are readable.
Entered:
h=10 m=30 s=5
